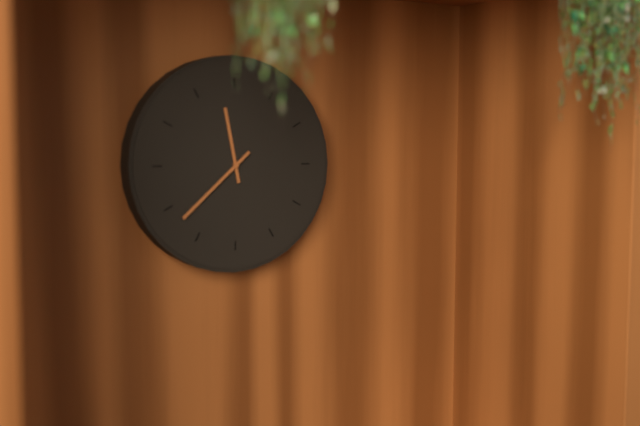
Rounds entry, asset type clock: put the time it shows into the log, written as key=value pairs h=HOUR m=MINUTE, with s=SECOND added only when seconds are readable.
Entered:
h=11 m=38
